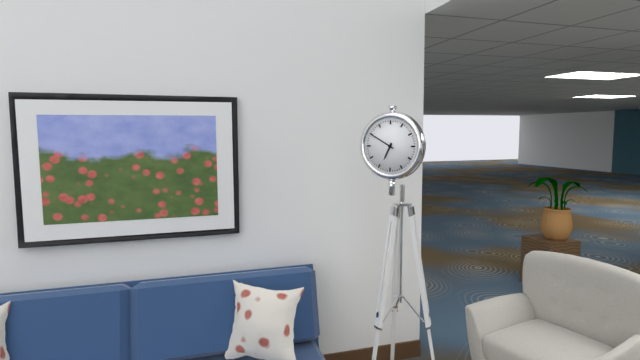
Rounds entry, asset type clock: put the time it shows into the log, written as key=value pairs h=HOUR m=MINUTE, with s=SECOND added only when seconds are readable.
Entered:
h=6 m=50
